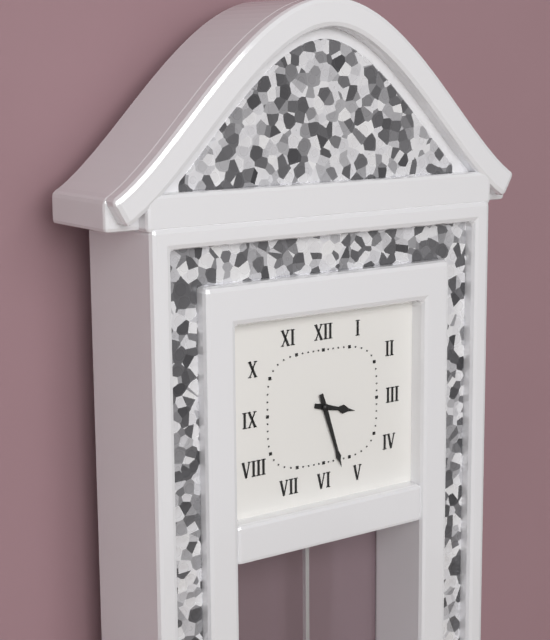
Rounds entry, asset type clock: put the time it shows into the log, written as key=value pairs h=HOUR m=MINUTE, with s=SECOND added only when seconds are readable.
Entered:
h=3 m=27
